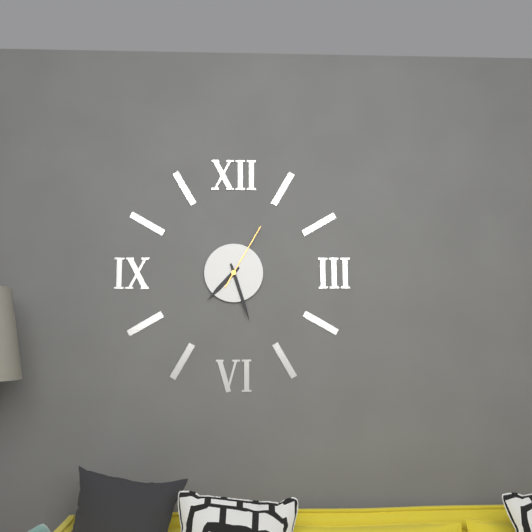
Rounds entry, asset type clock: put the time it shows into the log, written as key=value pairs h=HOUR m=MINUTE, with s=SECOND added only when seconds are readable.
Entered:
h=7 m=27 s=5
